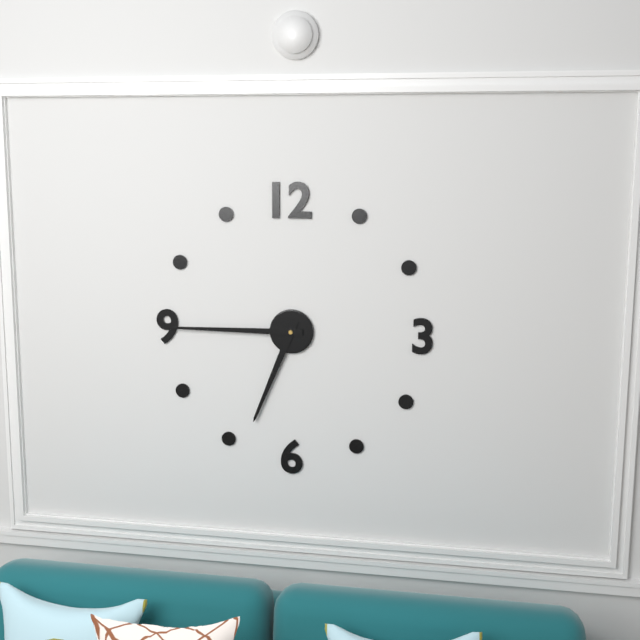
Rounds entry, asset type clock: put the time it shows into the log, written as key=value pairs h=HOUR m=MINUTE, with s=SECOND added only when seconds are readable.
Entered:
h=6 m=45
